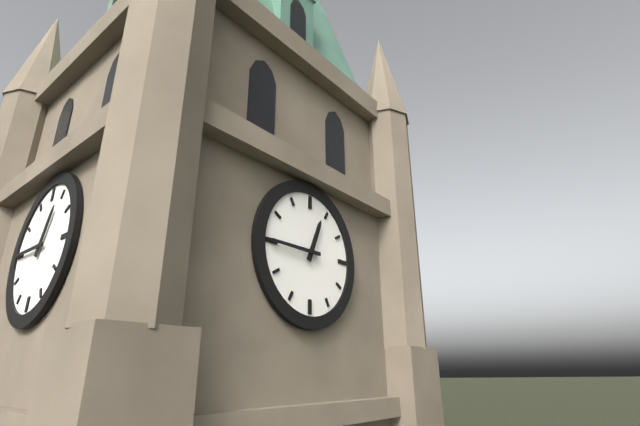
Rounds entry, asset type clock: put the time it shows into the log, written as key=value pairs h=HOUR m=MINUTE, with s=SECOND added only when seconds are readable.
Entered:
h=12 m=45
